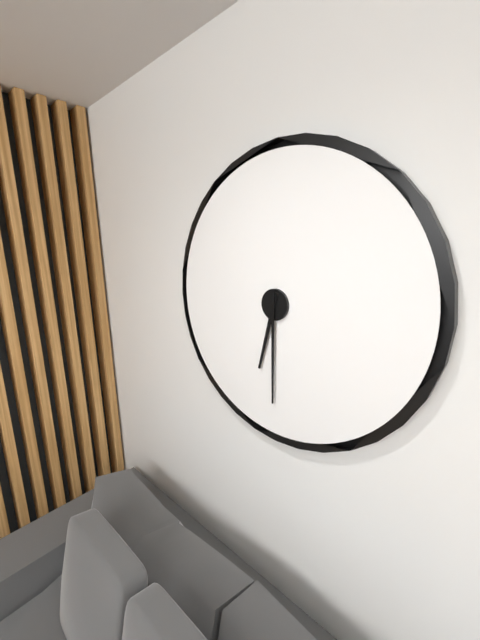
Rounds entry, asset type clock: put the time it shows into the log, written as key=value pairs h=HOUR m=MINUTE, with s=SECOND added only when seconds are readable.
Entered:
h=6 m=30
